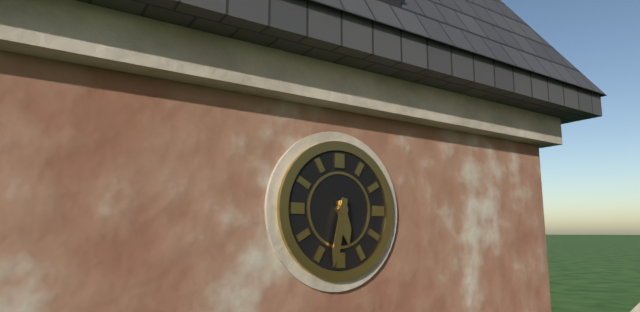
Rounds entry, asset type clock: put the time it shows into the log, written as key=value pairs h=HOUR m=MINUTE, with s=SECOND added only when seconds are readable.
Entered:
h=5 m=32
